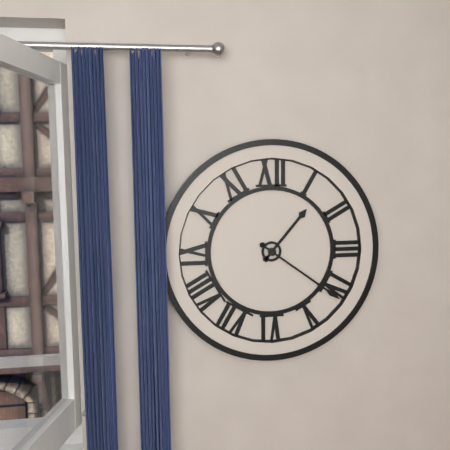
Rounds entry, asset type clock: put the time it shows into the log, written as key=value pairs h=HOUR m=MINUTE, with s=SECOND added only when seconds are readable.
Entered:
h=1 m=21
